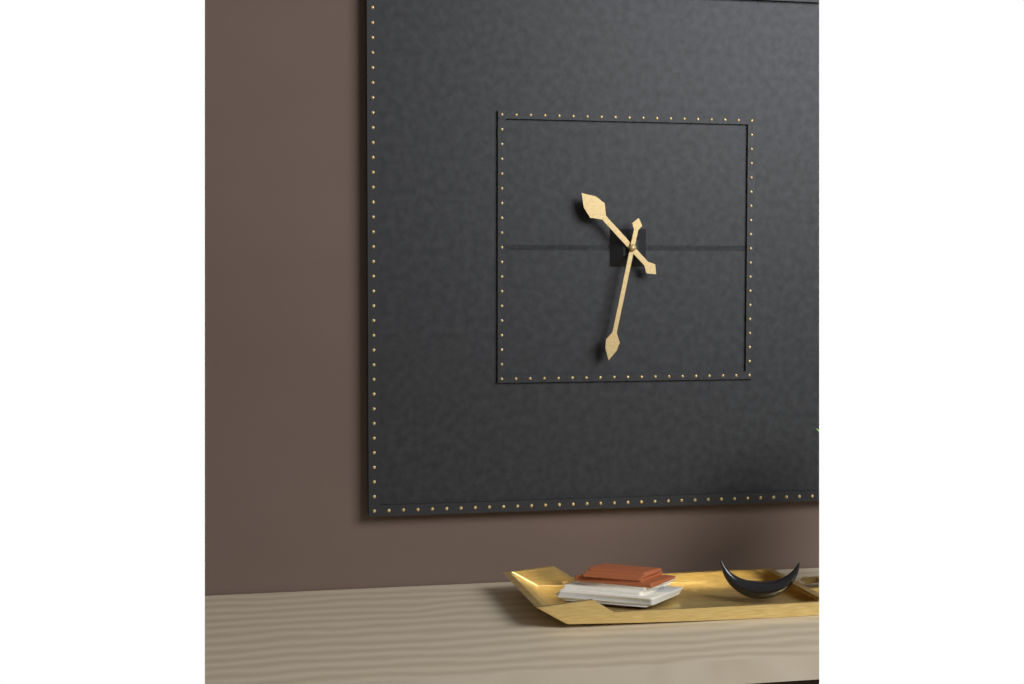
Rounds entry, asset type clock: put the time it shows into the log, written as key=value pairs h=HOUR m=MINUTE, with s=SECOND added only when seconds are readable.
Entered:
h=10 m=32
